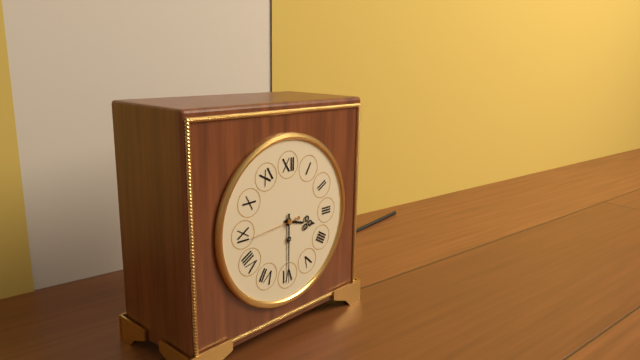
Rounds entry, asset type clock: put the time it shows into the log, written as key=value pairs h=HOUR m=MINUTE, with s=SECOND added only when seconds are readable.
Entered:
h=3 m=30 s=44
